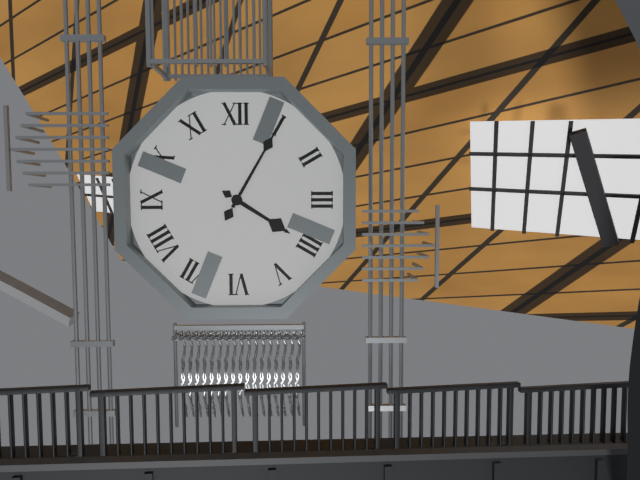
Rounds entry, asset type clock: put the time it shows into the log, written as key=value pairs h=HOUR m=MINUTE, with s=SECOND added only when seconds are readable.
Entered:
h=4 m=5
